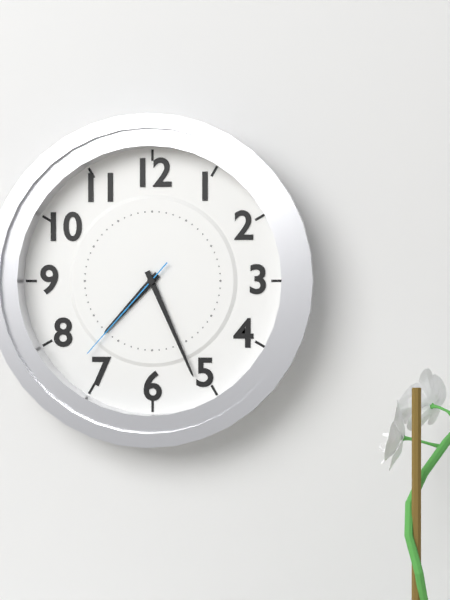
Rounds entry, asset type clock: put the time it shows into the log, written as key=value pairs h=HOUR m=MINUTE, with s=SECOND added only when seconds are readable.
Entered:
h=7 m=26 s=37
